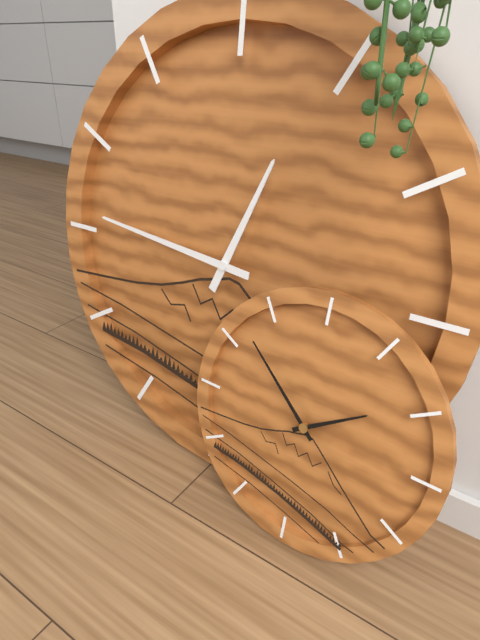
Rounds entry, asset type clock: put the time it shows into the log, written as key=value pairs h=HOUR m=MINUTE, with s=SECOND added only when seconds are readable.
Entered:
h=12 m=46
